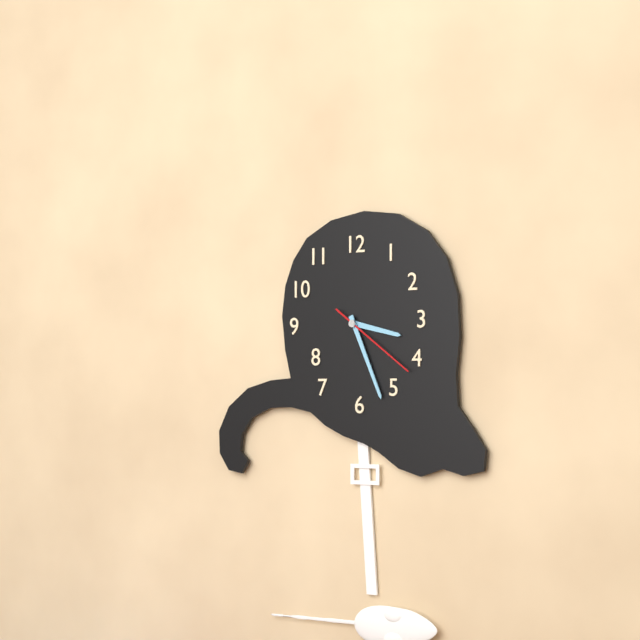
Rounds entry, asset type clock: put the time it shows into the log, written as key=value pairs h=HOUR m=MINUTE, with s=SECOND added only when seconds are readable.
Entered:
h=3 m=26 s=21
